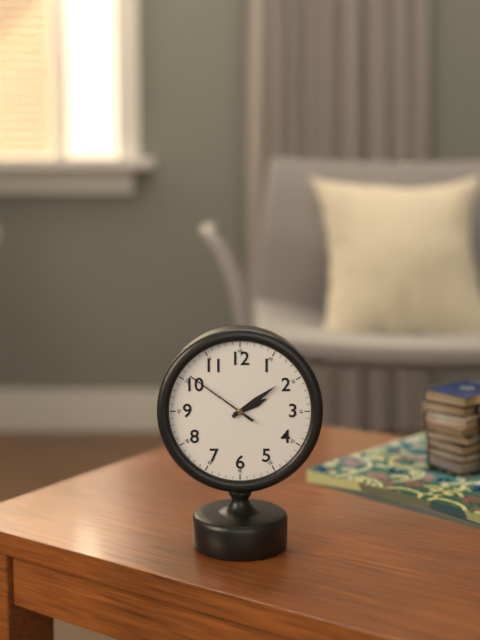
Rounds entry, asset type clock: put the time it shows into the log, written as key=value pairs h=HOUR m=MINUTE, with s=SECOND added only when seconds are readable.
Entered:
h=2 m=9 s=51
